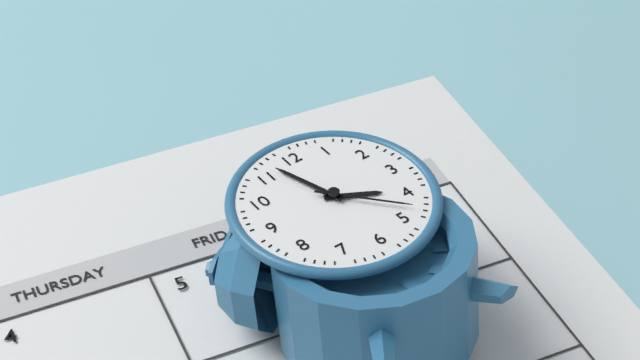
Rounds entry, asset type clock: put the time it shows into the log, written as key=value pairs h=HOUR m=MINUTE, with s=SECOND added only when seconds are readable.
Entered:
h=3 m=57 s=23
